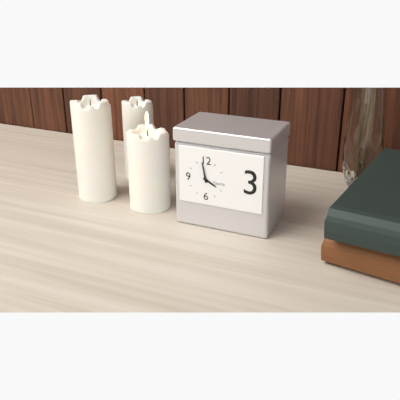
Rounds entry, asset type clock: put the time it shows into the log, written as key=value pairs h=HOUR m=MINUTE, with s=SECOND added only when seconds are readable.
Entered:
h=3 m=58
